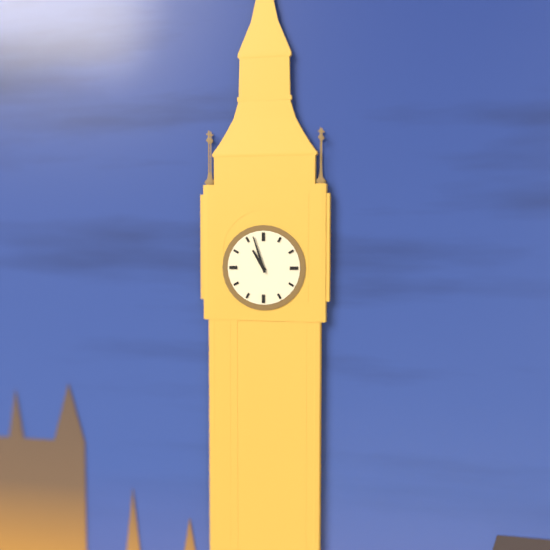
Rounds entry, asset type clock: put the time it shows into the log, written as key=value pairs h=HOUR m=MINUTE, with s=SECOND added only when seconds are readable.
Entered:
h=10 m=57
